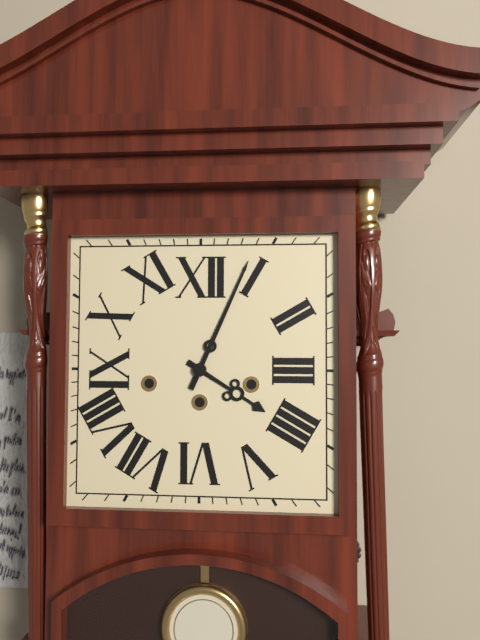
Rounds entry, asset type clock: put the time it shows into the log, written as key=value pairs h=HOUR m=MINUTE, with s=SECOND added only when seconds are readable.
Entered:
h=4 m=4
